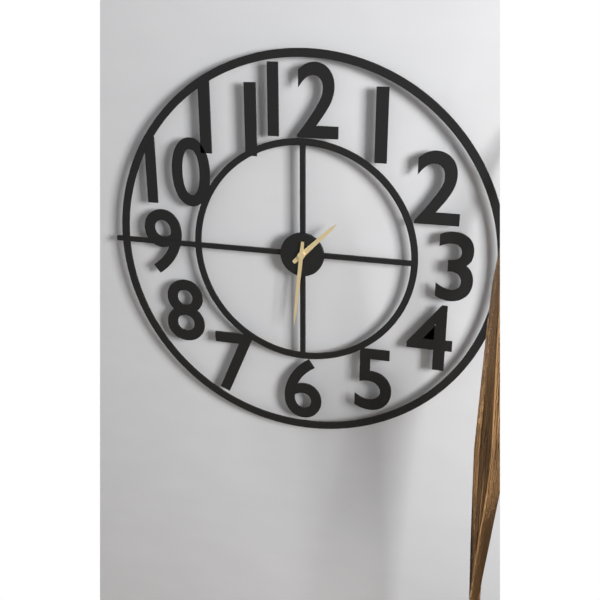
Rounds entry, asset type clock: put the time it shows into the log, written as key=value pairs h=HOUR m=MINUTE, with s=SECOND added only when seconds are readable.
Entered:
h=1 m=31
